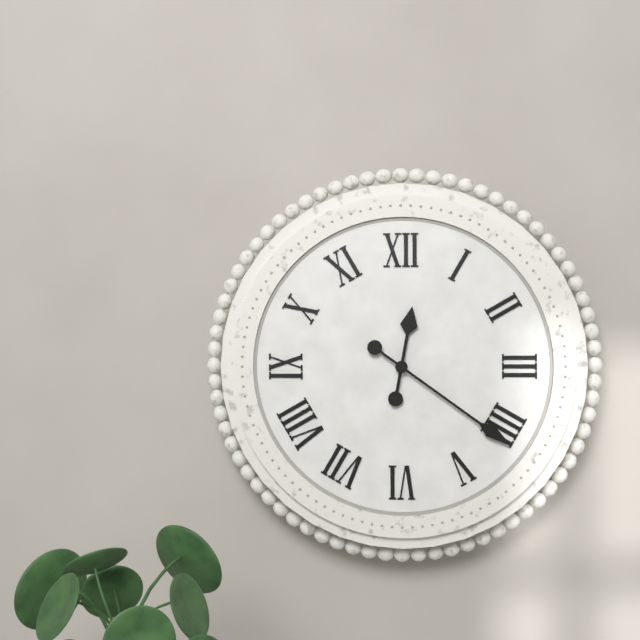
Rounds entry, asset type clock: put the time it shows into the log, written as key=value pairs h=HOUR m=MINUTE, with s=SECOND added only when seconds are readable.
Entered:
h=12 m=21
